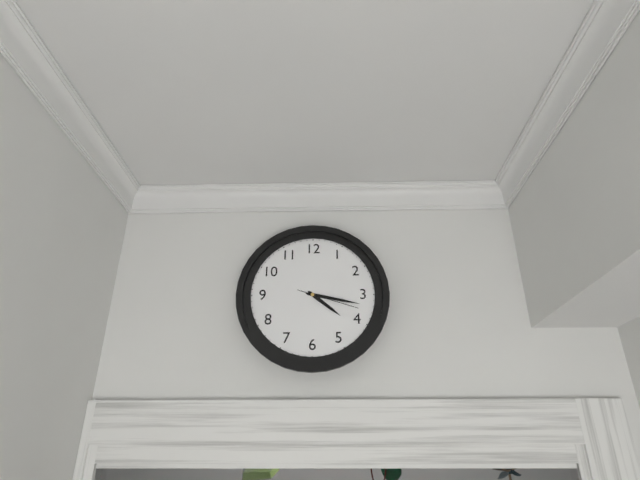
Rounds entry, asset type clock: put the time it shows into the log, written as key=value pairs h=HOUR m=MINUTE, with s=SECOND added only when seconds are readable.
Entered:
h=4 m=17 s=18
